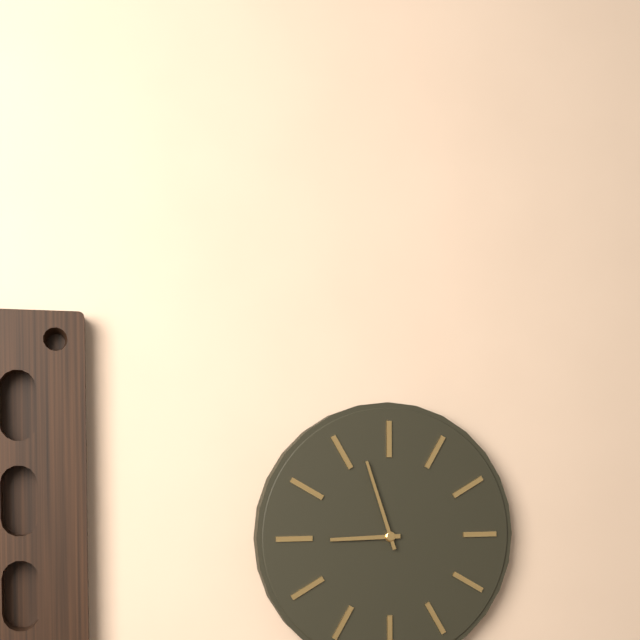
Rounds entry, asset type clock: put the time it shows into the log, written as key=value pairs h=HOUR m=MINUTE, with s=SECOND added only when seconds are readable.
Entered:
h=8 m=57
